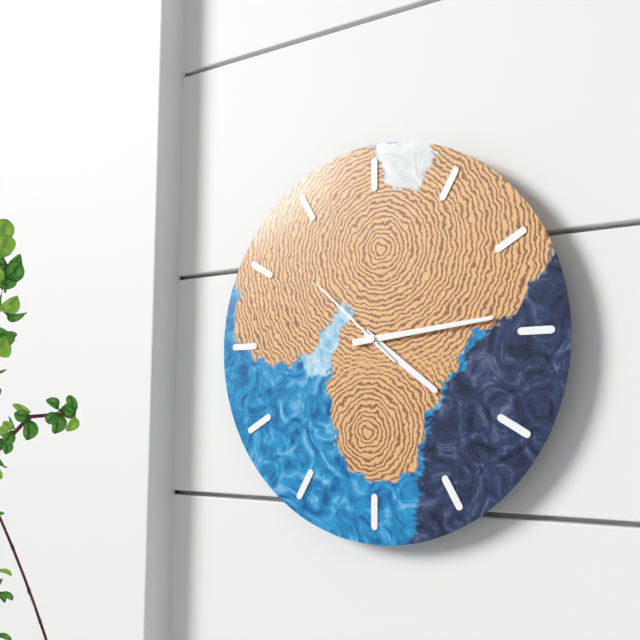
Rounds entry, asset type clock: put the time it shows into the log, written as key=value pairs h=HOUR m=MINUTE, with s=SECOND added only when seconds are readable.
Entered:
h=4 m=14 s=52
